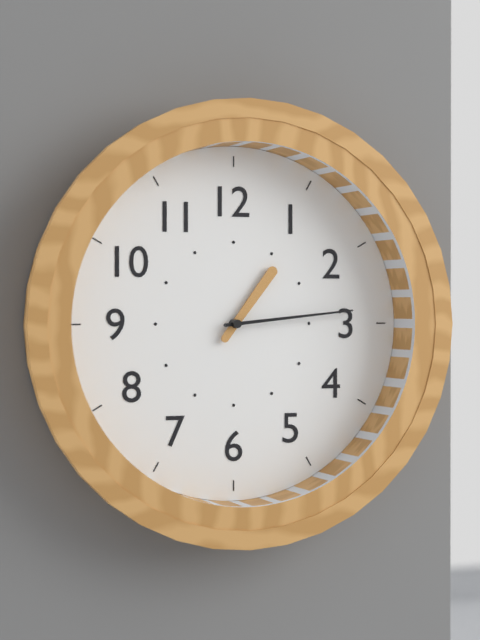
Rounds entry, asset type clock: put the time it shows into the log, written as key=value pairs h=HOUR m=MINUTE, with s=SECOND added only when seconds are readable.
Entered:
h=1 m=14
